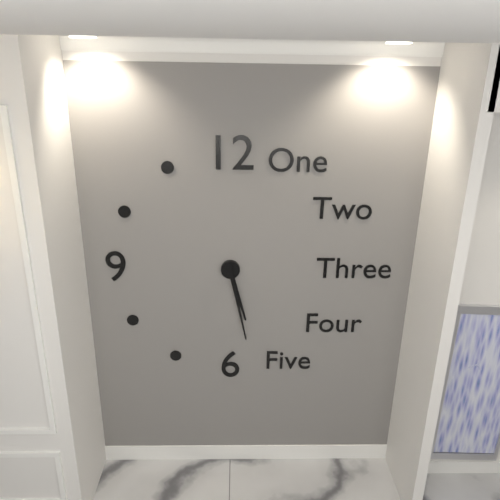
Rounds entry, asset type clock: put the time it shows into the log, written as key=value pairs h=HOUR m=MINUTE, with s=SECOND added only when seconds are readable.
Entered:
h=5 m=28
